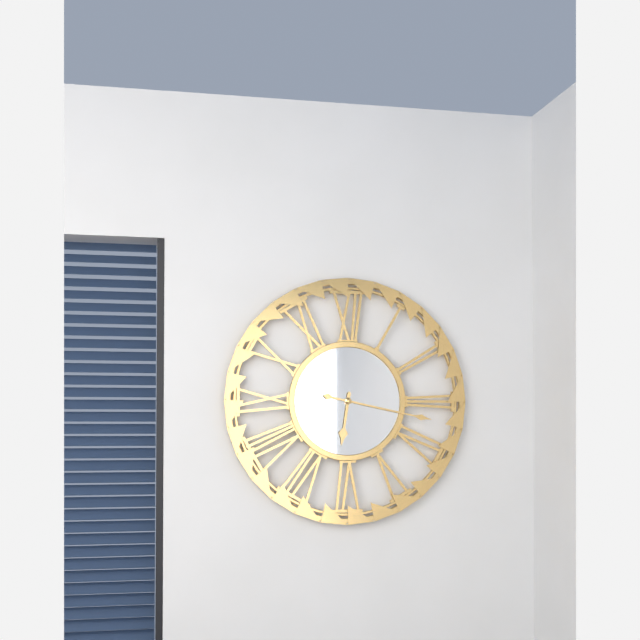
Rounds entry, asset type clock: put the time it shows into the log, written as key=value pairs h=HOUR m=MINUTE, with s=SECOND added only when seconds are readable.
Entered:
h=6 m=17
